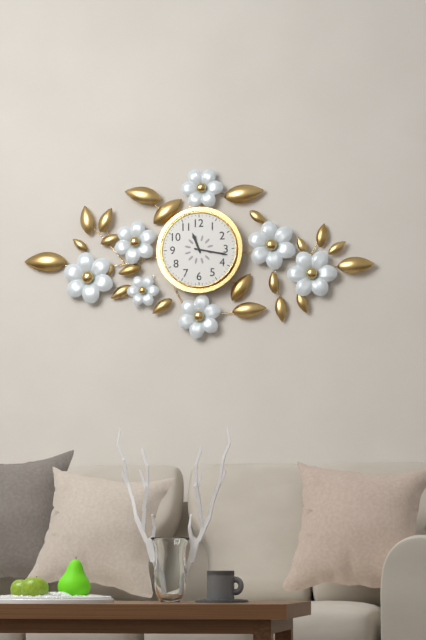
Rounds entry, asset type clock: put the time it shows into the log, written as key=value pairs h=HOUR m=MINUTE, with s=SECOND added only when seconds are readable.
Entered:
h=11 m=17
